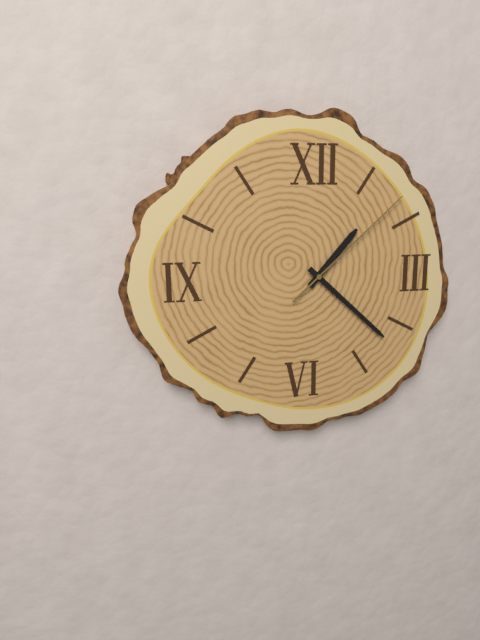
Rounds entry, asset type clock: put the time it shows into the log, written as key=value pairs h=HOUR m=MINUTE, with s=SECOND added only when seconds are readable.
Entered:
h=1 m=22 s=8
